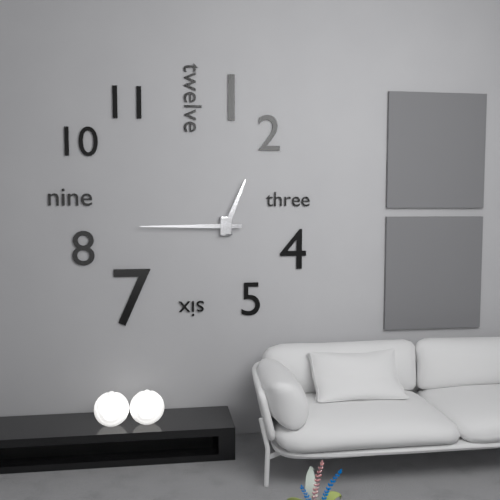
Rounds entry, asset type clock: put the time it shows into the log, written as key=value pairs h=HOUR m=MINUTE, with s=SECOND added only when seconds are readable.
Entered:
h=12 m=45
